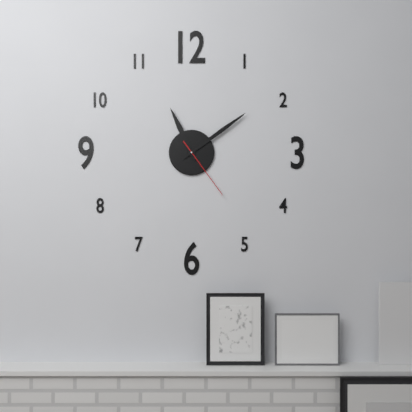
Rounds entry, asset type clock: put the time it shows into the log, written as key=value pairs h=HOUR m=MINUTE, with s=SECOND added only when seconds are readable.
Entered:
h=11 m=9 s=24
